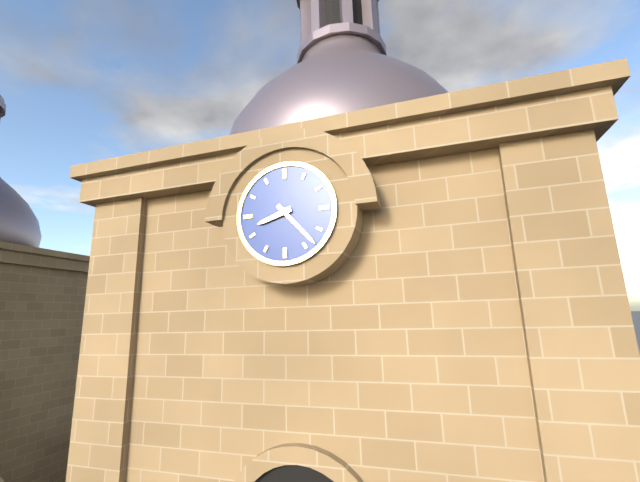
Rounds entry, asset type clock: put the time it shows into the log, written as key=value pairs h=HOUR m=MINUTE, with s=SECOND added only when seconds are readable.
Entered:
h=8 m=23
